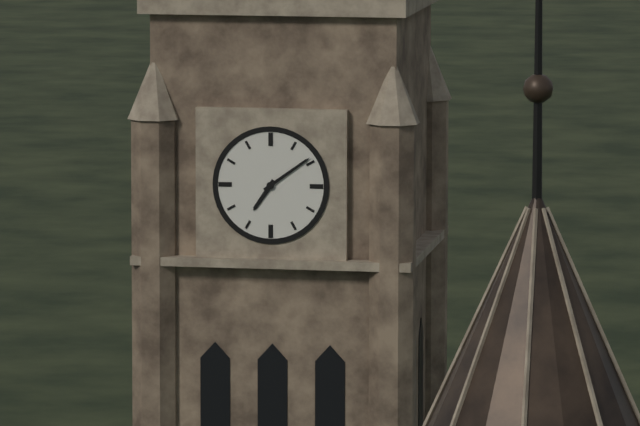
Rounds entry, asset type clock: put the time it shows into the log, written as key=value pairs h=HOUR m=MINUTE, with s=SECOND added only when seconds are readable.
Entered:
h=7 m=9
